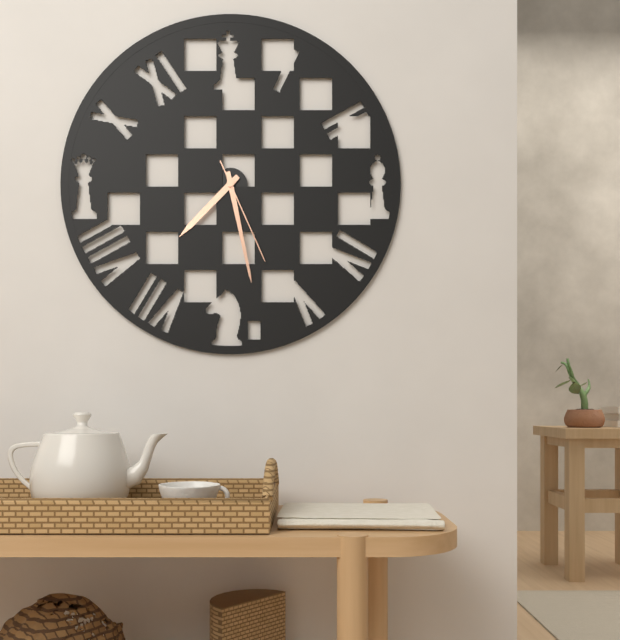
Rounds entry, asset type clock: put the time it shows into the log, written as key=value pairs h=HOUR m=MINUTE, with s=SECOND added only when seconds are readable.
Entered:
h=7 m=28 s=26
